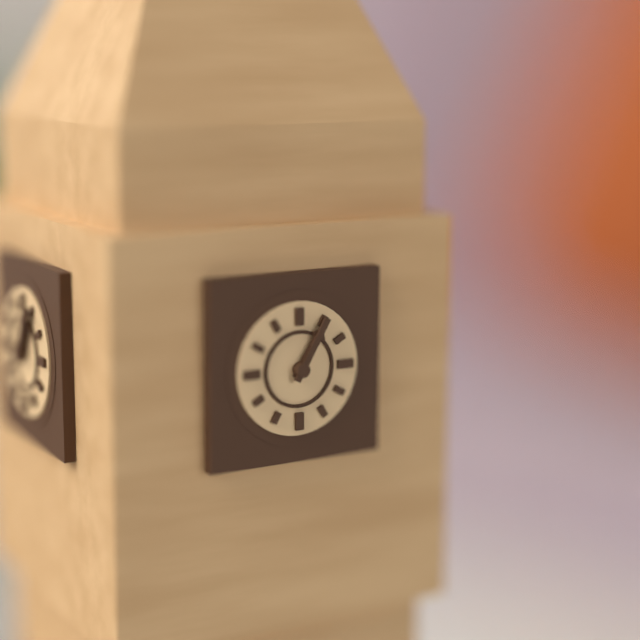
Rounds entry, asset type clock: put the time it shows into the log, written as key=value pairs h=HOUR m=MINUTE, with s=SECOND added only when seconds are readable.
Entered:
h=1 m=5
